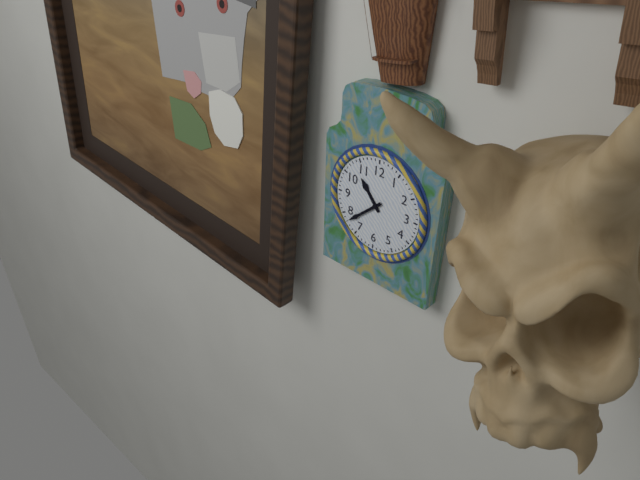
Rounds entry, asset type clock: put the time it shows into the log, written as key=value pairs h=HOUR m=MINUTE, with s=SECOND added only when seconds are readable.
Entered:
h=10 m=38
